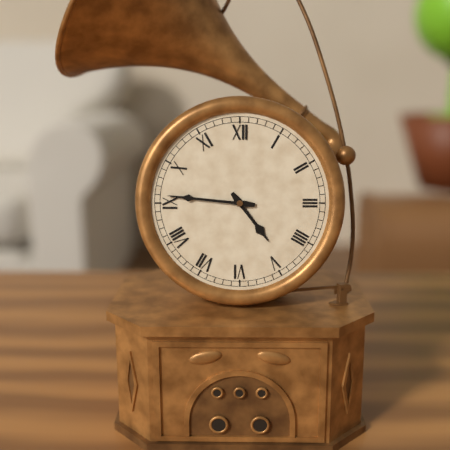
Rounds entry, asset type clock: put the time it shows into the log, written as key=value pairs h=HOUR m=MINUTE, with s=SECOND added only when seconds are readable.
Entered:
h=4 m=46
